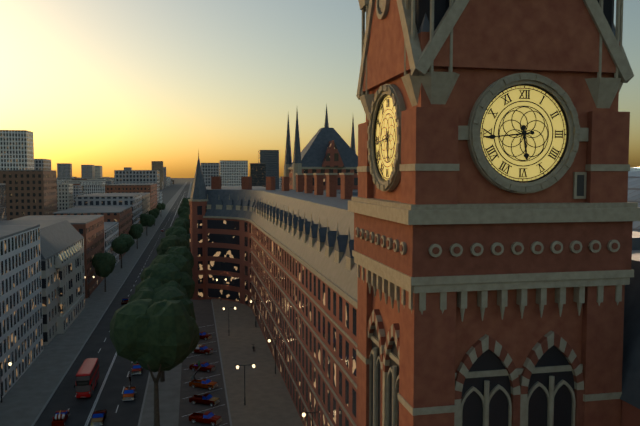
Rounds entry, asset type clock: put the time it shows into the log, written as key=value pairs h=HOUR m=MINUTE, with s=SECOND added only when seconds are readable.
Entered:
h=5 m=44
